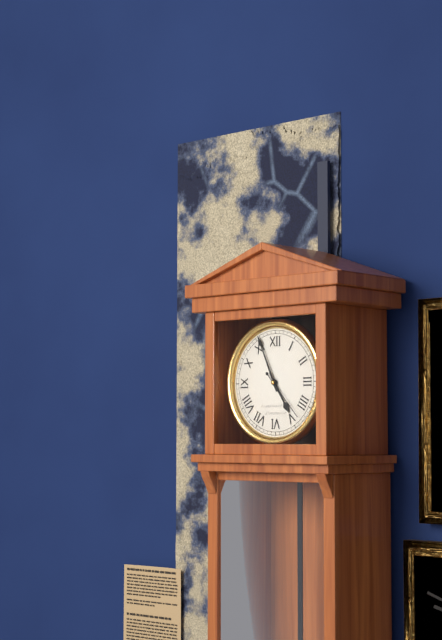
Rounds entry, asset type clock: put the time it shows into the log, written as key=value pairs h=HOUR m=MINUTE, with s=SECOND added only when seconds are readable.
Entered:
h=4 m=56 s=23
